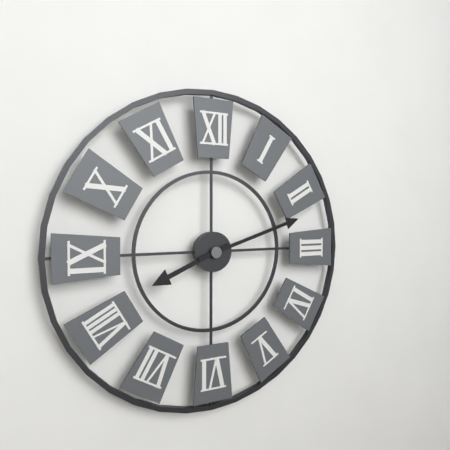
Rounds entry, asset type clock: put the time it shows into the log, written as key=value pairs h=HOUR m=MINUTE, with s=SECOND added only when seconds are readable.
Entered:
h=8 m=12
